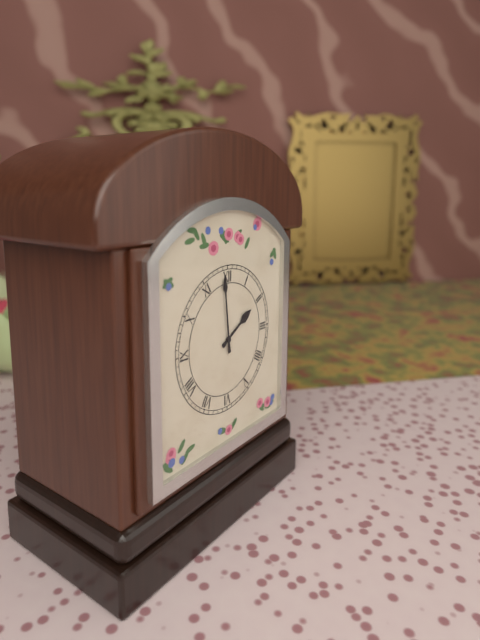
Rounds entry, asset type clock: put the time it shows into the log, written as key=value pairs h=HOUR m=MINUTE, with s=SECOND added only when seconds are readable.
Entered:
h=1 m=59
